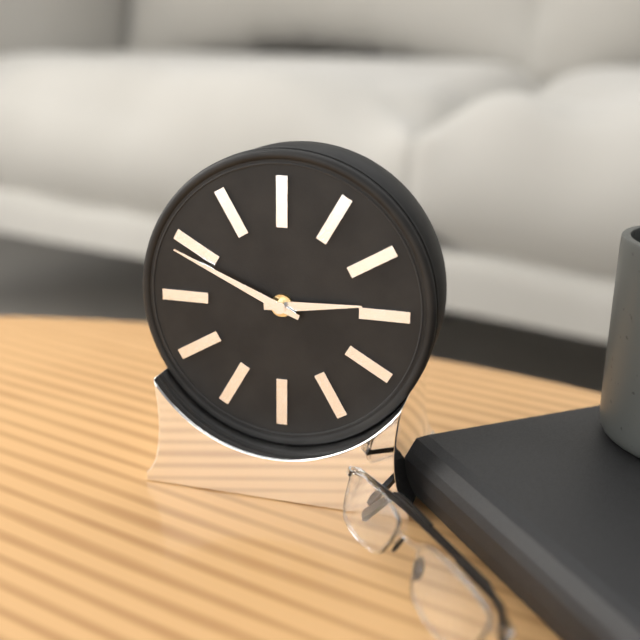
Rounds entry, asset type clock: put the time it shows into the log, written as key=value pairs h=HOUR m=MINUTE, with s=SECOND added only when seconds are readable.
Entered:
h=2 m=49
